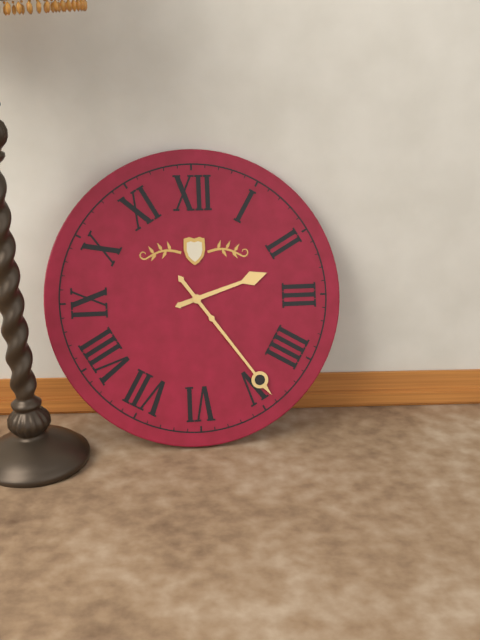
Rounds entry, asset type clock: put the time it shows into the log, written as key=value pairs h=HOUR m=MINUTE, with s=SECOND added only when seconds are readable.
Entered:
h=2 m=24
